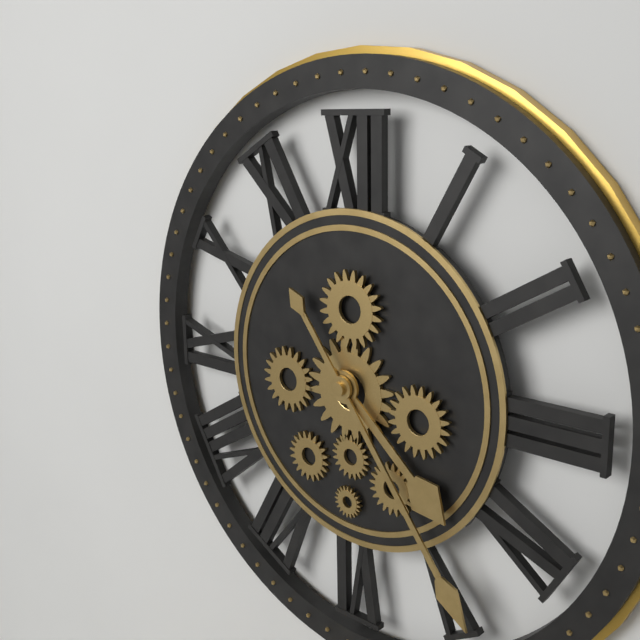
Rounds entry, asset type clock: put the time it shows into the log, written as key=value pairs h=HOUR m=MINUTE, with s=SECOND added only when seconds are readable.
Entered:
h=4 m=24
